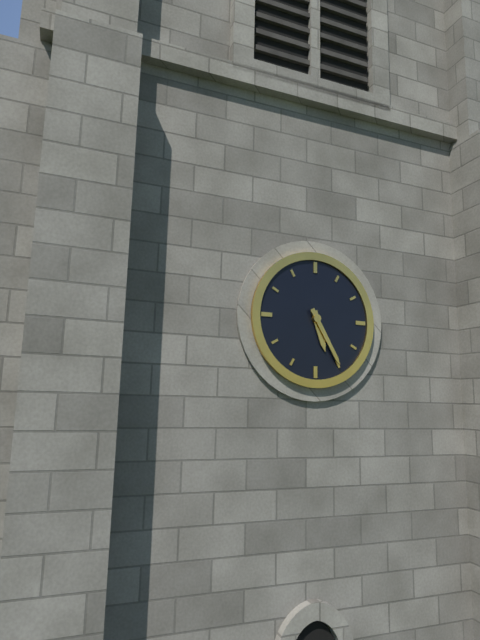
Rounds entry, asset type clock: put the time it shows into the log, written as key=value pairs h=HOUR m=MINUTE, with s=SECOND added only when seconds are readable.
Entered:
h=5 m=25
